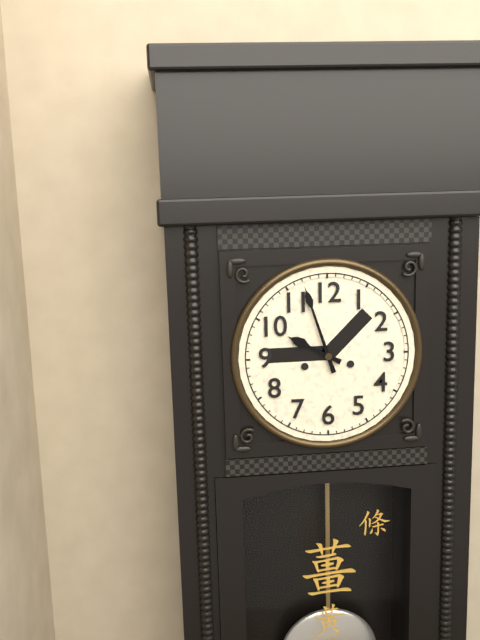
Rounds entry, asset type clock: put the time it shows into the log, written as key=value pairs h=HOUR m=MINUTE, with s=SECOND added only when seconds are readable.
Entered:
h=9 m=57
